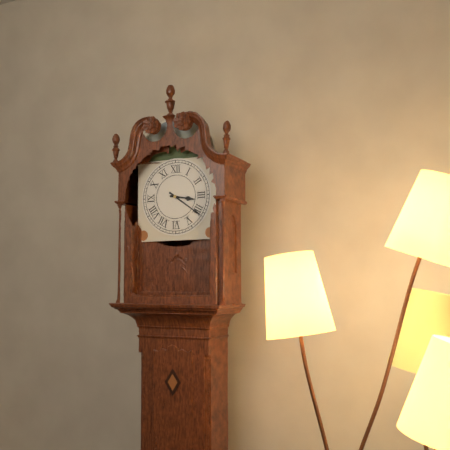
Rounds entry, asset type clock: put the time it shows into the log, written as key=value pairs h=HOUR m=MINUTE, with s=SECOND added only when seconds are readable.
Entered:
h=3 m=21
